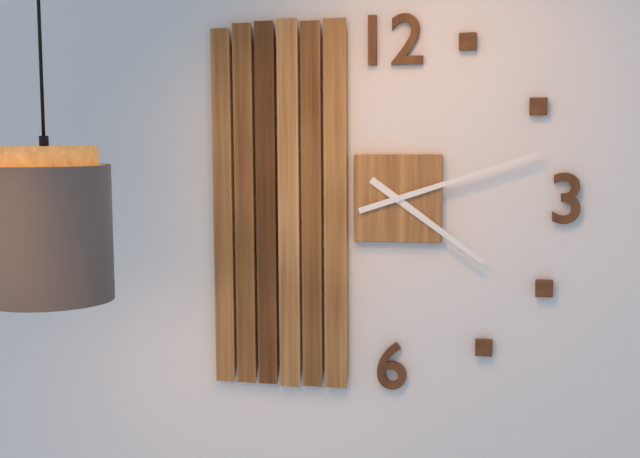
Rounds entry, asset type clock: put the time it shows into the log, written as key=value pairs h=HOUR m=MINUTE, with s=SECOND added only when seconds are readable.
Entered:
h=4 m=12
